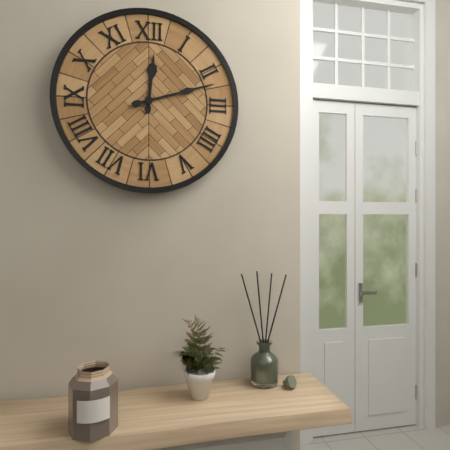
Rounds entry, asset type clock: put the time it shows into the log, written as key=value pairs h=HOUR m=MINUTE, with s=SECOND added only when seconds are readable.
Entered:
h=12 m=12
